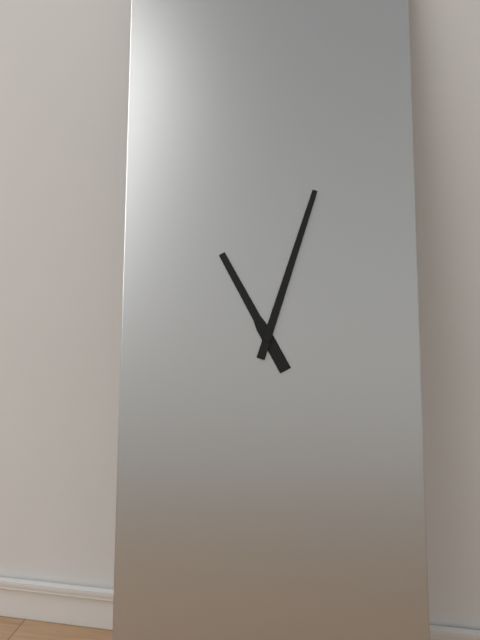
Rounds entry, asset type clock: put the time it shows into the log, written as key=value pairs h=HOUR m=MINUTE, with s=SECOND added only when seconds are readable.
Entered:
h=11 m=3
